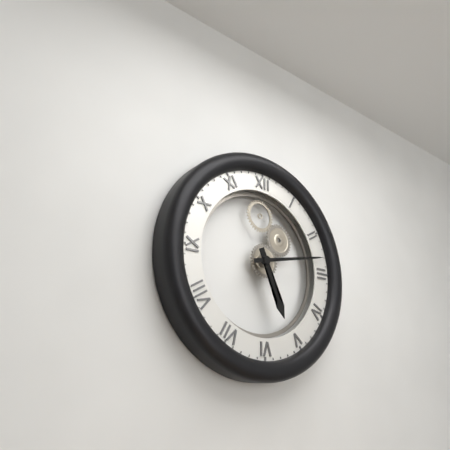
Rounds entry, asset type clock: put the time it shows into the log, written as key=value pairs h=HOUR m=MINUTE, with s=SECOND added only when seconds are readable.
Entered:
h=5 m=13
